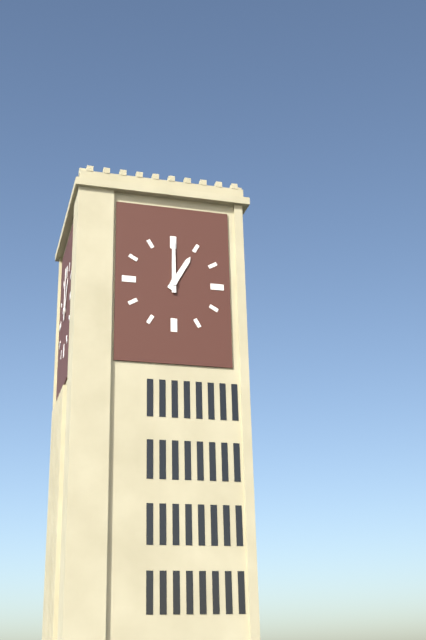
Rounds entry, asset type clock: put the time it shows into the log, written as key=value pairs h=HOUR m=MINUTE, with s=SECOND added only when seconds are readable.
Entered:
h=1 m=0
